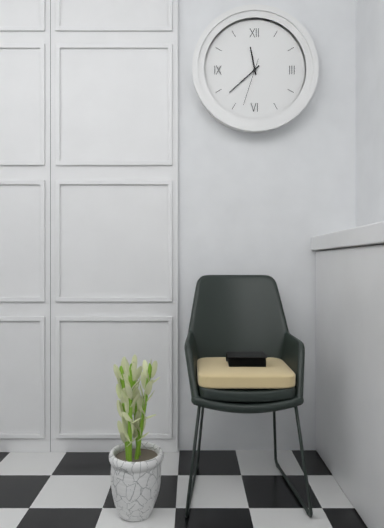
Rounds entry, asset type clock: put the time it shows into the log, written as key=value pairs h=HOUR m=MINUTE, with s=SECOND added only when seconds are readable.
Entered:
h=11 m=38
